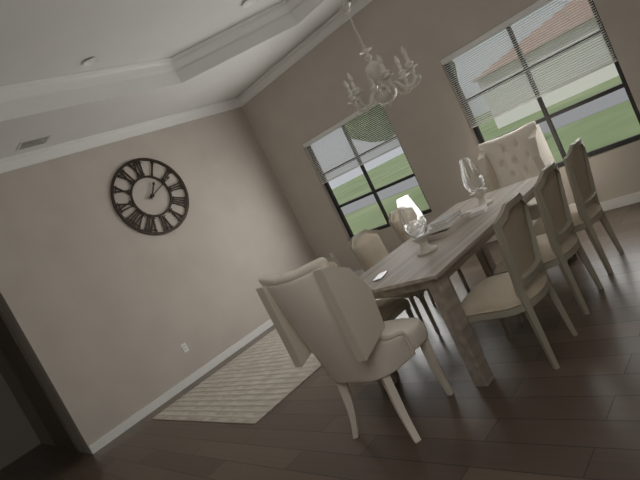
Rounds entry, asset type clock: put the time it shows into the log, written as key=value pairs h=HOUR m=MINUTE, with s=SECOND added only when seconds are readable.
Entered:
h=1 m=11
